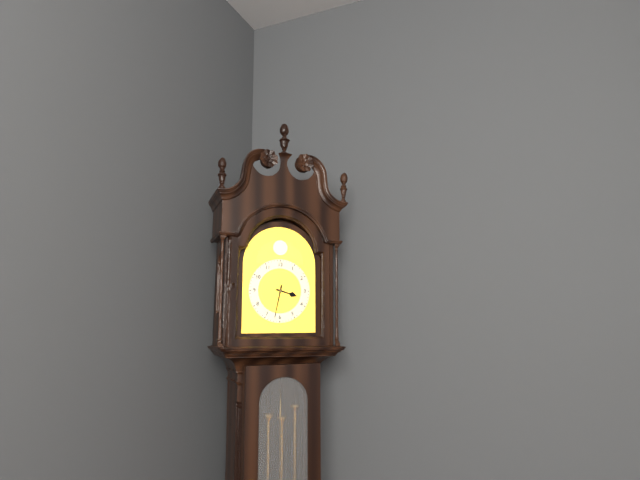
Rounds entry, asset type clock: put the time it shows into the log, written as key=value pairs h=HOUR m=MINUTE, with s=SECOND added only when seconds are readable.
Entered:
h=3 m=32
